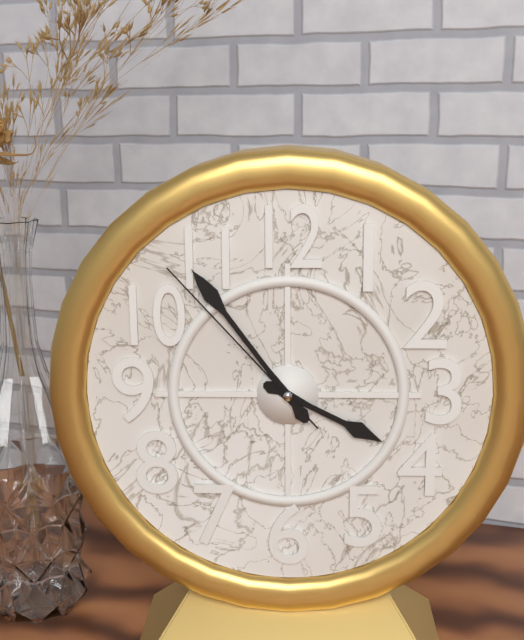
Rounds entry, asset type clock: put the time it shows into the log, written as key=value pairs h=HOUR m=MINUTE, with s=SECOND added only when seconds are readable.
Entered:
h=3 m=54 s=53
